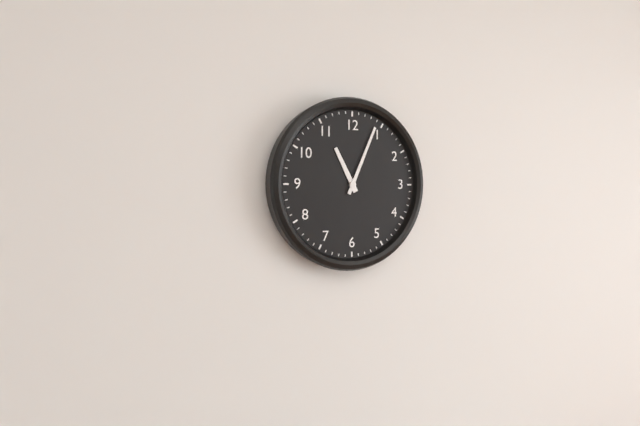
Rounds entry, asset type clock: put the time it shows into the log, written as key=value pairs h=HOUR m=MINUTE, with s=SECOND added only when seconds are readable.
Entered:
h=11 m=4
